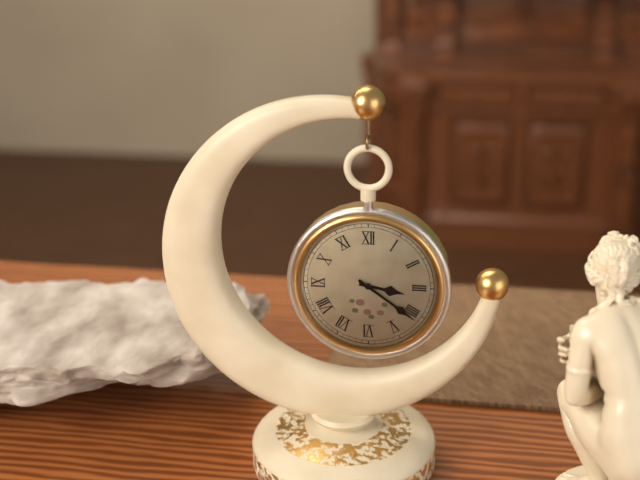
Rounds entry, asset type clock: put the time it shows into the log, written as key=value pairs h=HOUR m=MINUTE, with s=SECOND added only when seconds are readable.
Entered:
h=3 m=21
